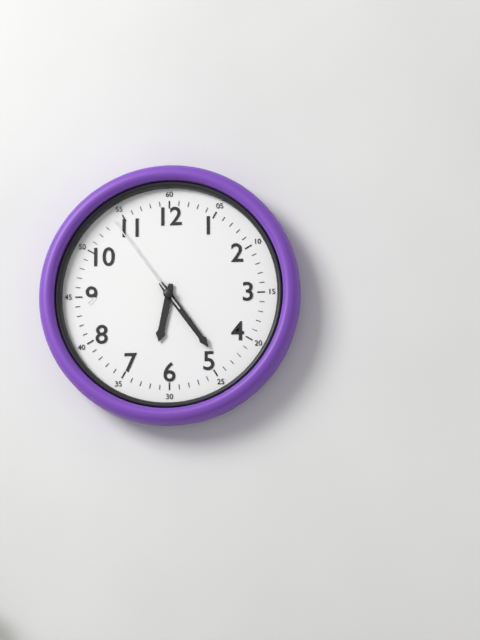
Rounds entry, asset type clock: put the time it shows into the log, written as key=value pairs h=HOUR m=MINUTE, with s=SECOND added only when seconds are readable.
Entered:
h=6 m=24 s=54
